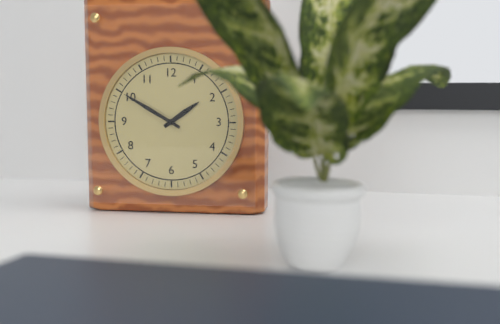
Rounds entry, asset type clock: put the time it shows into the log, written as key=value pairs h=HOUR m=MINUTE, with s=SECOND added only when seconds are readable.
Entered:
h=1 m=50
